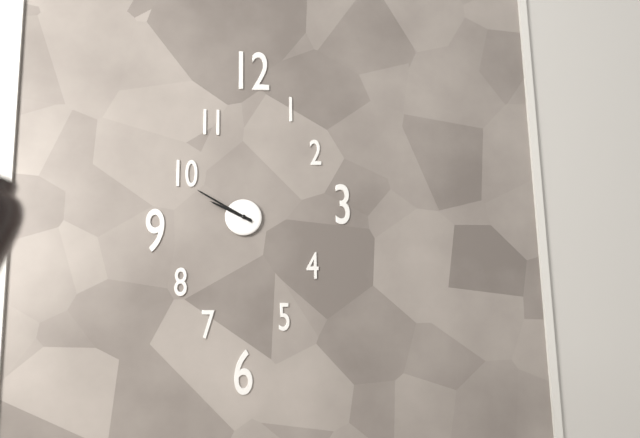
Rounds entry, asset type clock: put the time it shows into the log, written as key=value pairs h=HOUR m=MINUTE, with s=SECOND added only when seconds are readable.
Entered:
h=9 m=50
